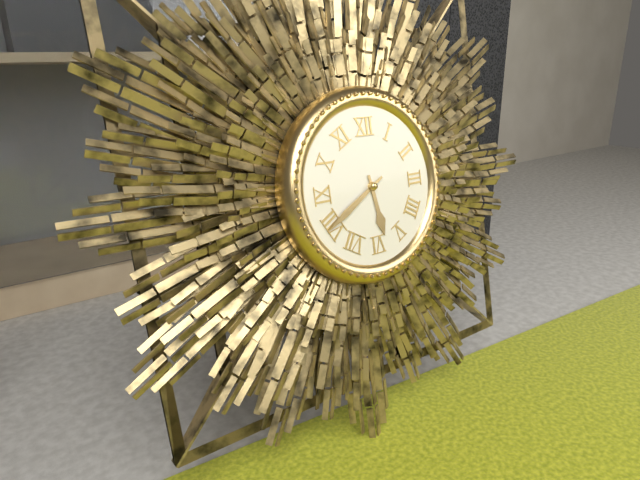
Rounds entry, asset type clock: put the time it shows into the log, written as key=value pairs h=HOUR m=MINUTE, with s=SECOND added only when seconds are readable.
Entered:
h=5 m=40
